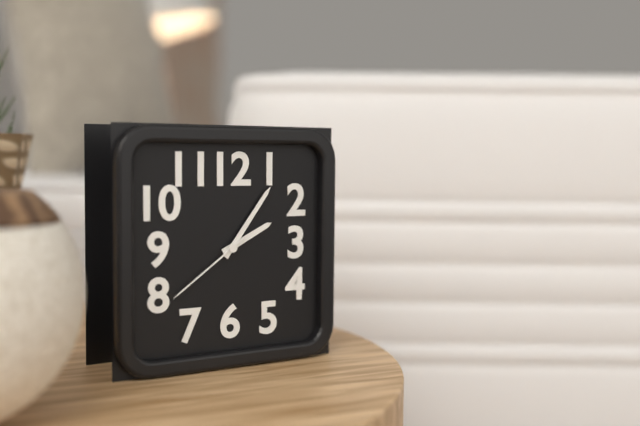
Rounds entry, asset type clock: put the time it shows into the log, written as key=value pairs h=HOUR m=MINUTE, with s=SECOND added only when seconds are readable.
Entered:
h=2 m=6 s=39
